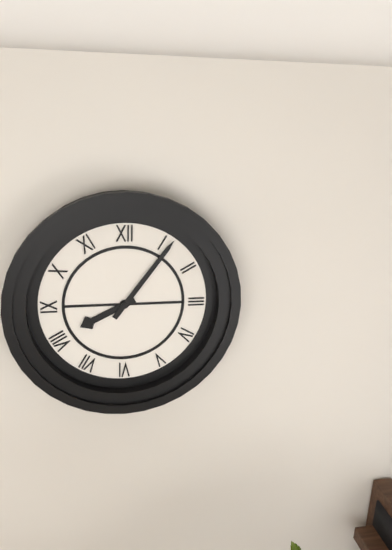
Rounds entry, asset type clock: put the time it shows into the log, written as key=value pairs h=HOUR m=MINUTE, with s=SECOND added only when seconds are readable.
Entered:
h=8 m=6
